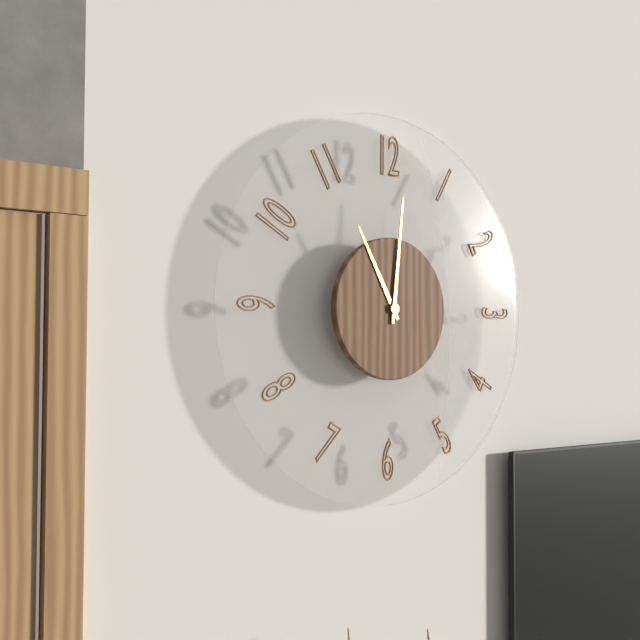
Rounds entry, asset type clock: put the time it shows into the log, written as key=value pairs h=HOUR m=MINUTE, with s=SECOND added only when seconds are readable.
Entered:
h=11 m=1
